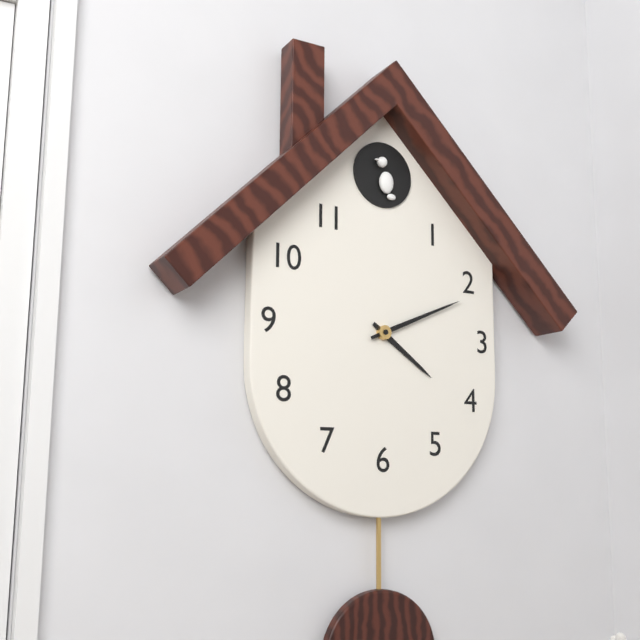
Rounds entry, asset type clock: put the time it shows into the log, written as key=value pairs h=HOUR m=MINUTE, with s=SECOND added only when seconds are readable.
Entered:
h=4 m=11
